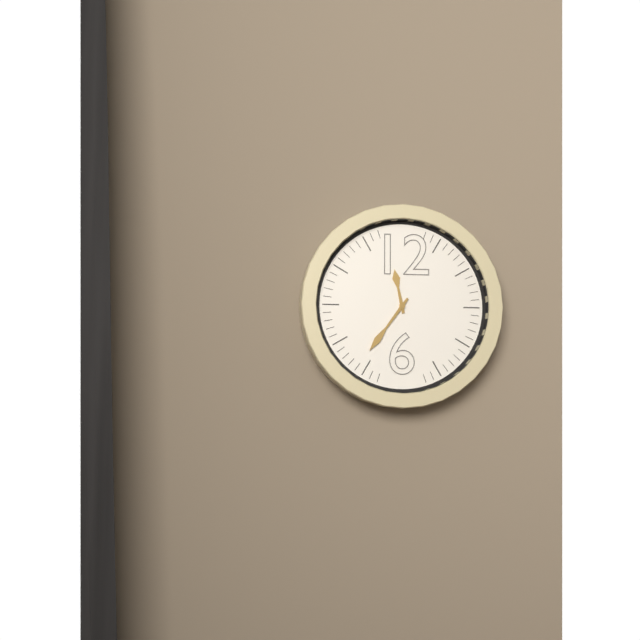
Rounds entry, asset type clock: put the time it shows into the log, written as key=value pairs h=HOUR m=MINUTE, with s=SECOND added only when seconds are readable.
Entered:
h=11 m=36
